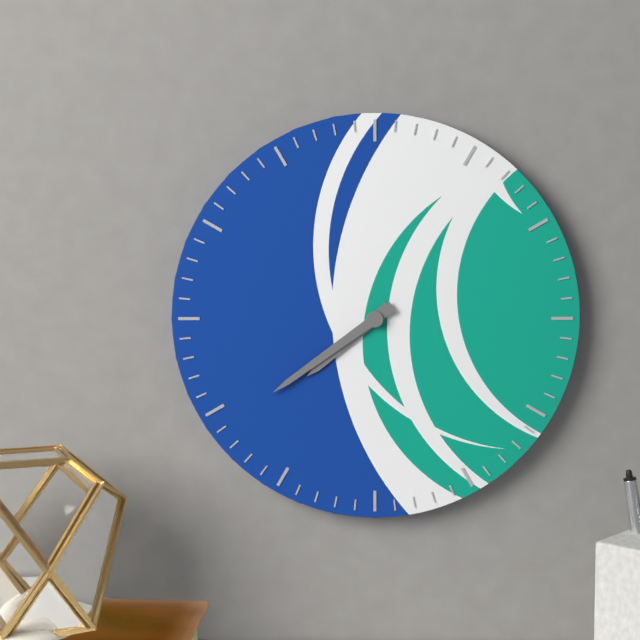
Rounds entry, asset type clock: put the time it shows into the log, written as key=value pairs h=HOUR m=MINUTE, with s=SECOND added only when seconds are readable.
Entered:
h=7 m=39
